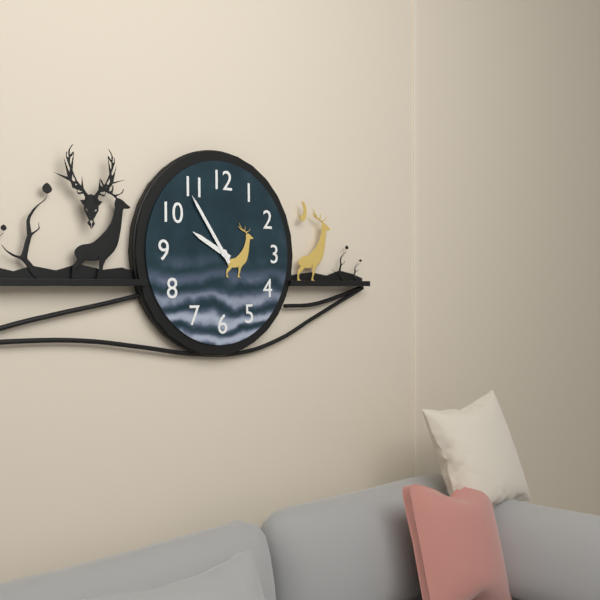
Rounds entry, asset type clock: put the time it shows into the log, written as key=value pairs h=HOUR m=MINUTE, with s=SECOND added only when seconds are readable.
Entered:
h=9 m=54
